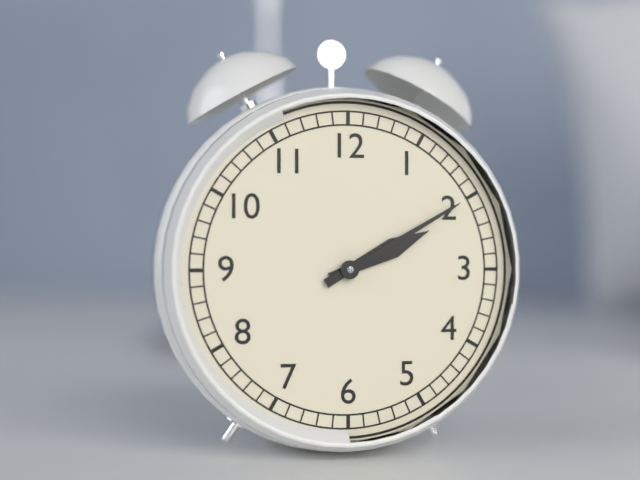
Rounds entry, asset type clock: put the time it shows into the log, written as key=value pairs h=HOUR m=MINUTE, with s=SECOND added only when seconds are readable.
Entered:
h=2 m=10
